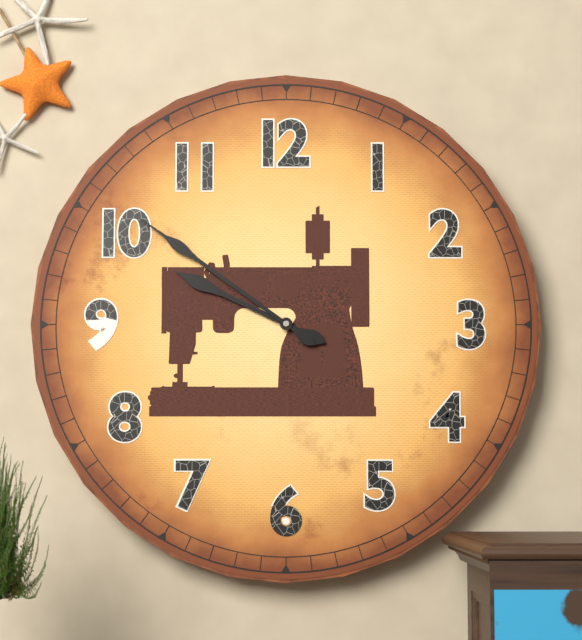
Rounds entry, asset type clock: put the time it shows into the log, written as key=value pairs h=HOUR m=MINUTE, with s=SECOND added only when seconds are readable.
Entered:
h=9 m=51
